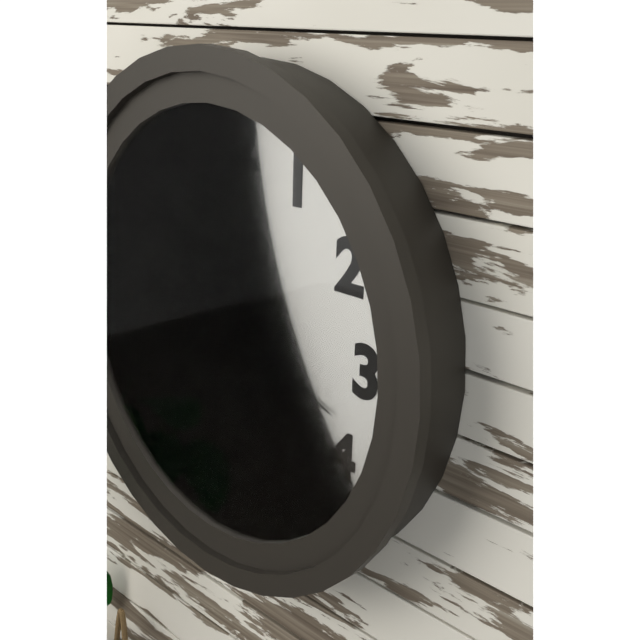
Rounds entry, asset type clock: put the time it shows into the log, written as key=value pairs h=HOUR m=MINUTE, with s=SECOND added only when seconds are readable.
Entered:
h=7 m=54 s=18
